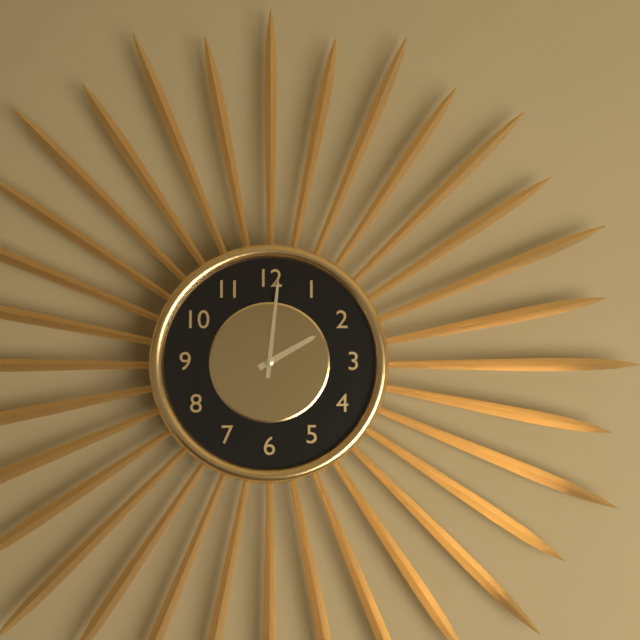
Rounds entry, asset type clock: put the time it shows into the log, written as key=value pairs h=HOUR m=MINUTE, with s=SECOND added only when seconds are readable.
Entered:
h=2 m=1
